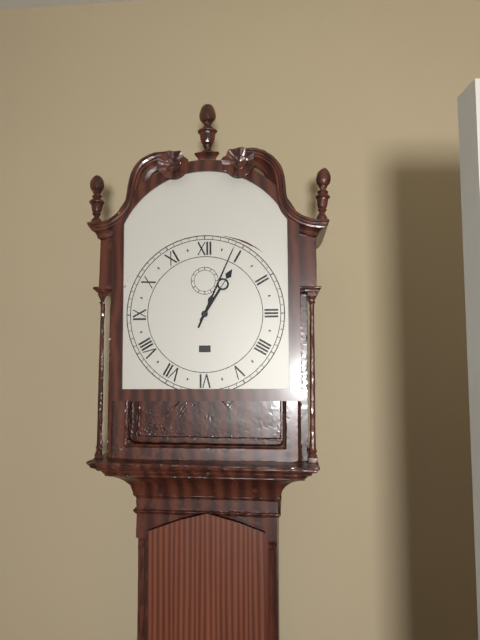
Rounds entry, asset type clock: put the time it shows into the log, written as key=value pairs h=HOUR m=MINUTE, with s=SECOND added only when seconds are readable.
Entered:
h=1 m=4
